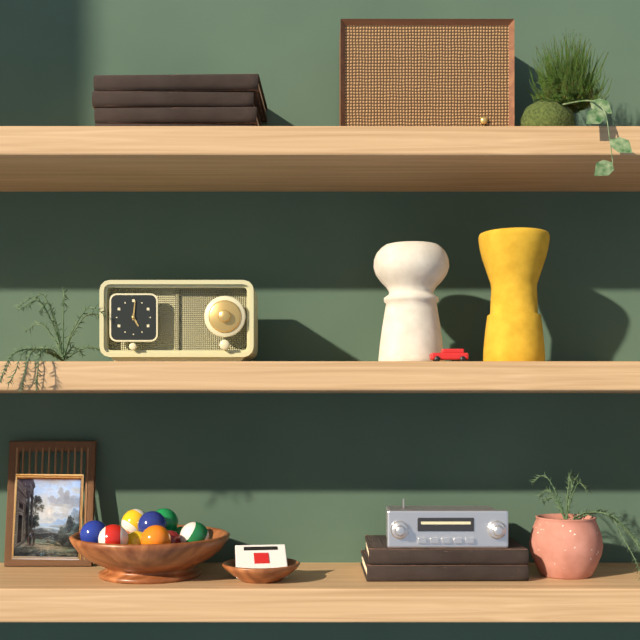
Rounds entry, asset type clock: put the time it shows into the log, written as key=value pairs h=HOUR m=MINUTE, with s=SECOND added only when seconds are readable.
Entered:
h=5 m=1
